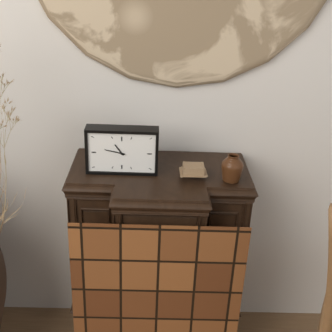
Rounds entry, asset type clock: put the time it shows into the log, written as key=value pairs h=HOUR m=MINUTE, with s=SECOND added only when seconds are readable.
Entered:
h=10 m=47
